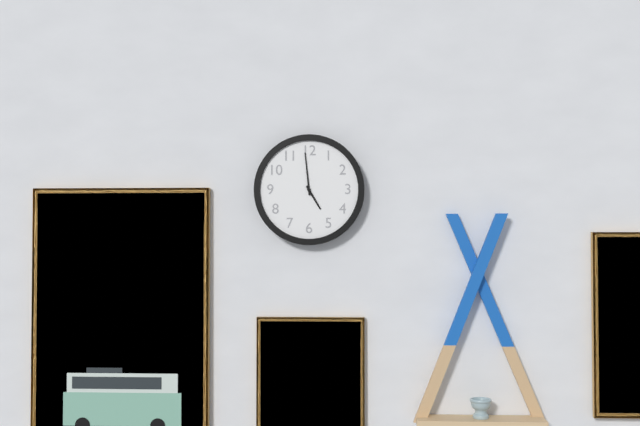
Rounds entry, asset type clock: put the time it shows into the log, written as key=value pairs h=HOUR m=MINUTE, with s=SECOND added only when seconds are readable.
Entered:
h=4 m=59
